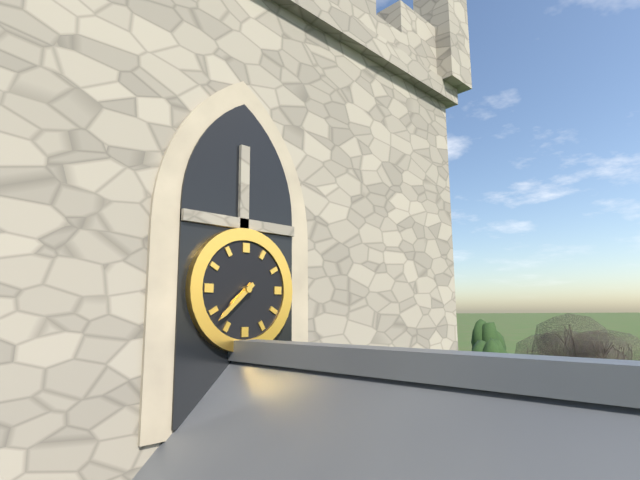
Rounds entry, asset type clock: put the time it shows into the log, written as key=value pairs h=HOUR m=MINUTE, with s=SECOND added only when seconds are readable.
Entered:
h=7 m=38
